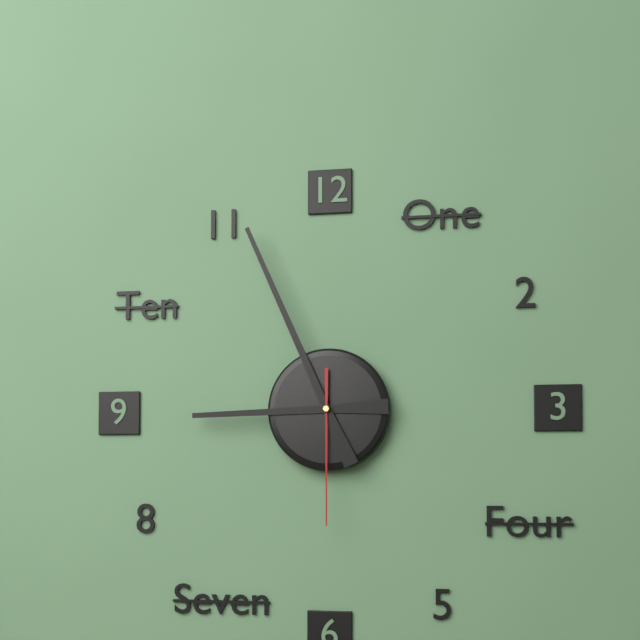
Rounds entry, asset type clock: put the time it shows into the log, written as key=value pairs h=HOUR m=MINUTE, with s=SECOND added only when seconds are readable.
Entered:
h=8 m=56 s=30
